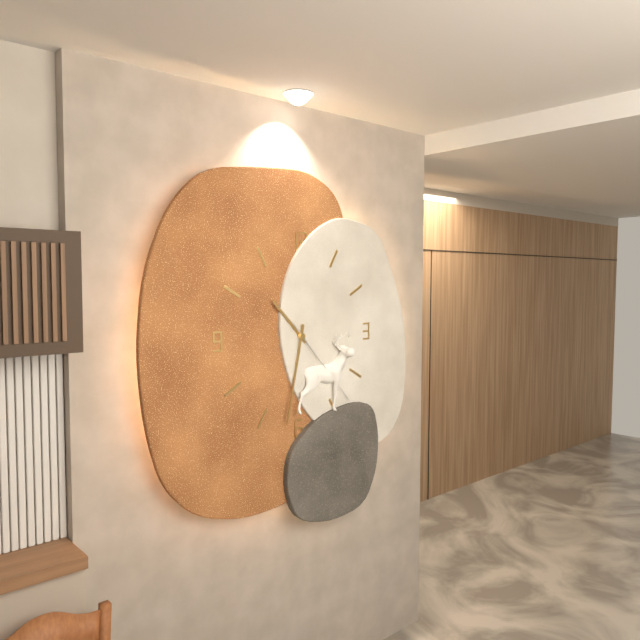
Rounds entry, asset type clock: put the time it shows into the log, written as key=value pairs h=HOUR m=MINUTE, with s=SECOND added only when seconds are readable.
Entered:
h=10 m=32 s=23
